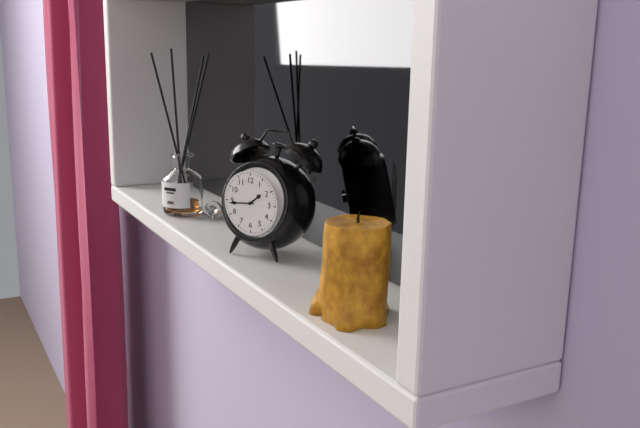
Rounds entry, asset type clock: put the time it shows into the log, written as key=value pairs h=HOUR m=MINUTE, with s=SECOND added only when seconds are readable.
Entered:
h=1 m=44
